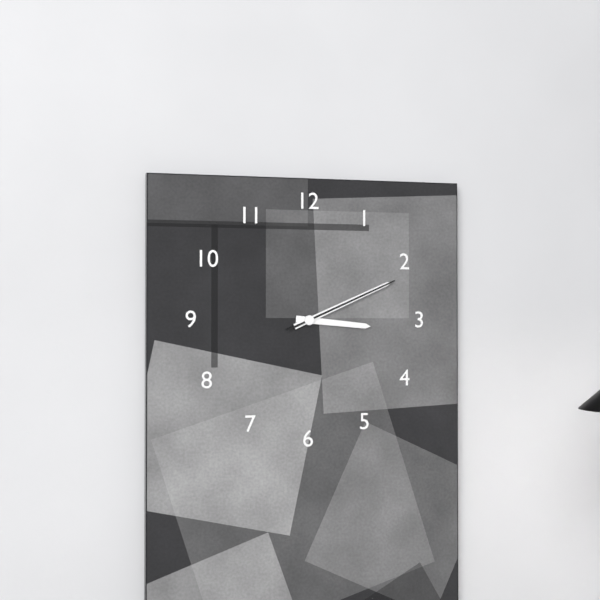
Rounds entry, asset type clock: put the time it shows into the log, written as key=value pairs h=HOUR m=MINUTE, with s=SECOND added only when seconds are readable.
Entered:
h=3 m=11 s=11
